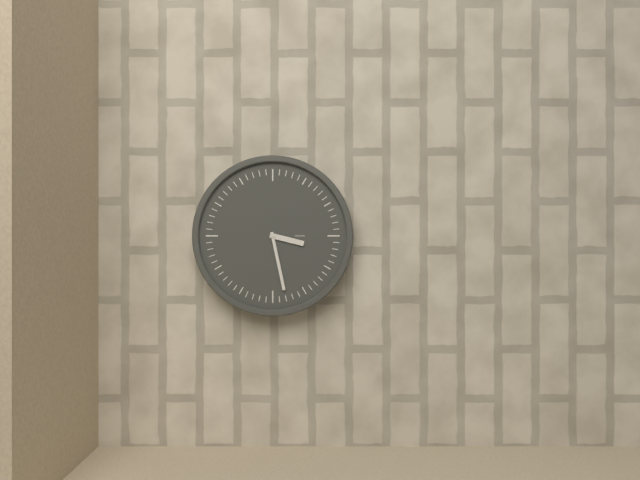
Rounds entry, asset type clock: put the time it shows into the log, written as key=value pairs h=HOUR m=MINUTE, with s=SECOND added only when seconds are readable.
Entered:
h=3 m=28
